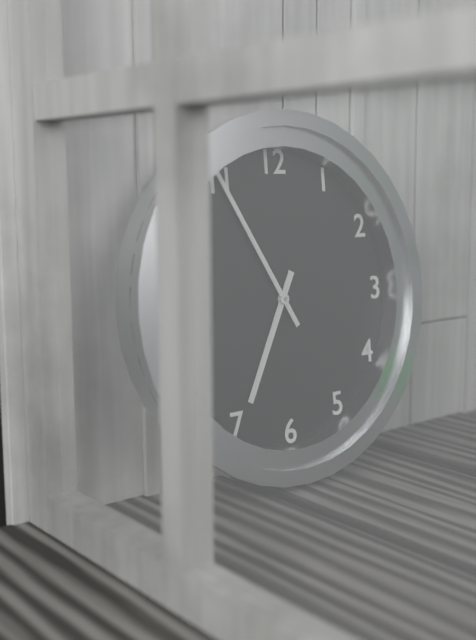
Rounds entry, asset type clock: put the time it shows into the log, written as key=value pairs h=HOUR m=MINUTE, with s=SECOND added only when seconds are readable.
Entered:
h=6 m=55
